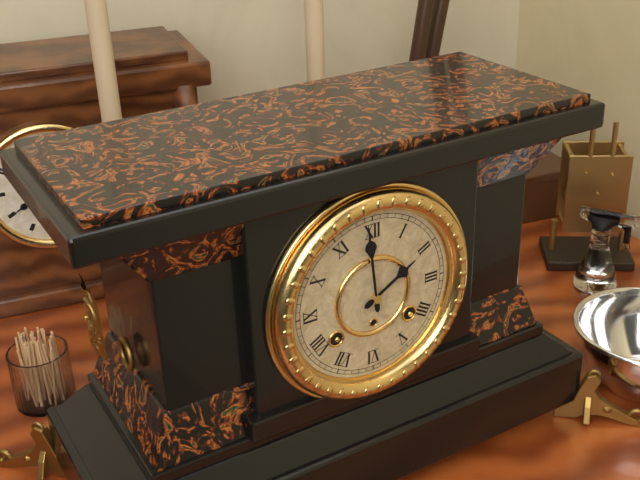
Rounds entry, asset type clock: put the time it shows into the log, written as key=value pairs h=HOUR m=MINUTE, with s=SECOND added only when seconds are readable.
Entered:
h=1 m=59
